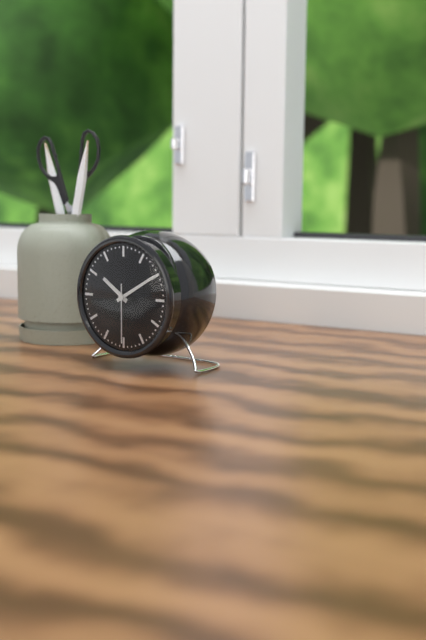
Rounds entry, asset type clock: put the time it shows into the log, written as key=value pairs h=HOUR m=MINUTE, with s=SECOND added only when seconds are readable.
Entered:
h=10 m=10 s=30
